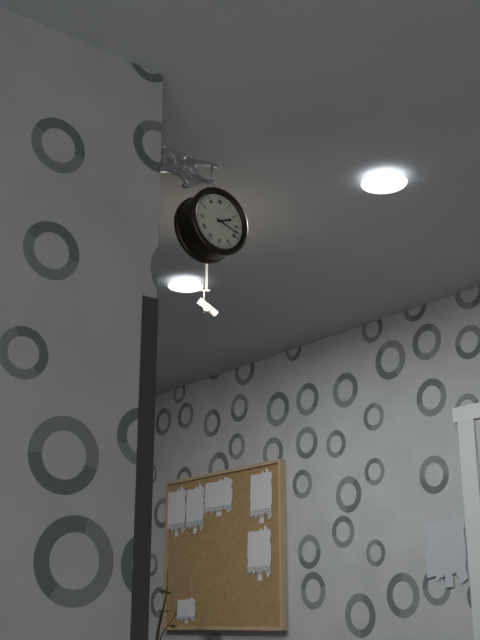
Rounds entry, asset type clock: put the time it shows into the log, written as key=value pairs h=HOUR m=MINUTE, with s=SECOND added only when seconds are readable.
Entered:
h=2 m=18
